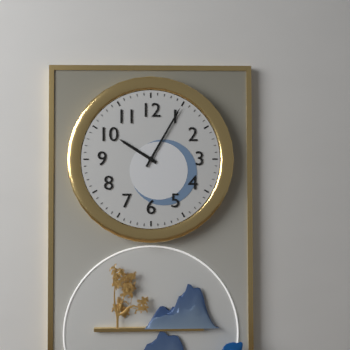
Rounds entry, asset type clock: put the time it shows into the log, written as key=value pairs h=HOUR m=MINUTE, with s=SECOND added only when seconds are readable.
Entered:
h=10 m=5
